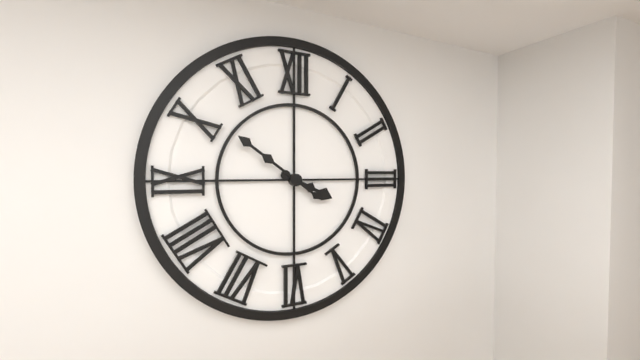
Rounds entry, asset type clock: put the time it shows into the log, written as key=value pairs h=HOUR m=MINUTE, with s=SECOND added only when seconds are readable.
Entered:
h=3 m=51
